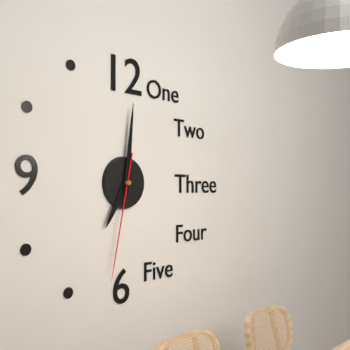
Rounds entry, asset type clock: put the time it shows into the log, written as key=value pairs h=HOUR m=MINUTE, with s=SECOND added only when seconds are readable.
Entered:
h=7 m=1 s=32
